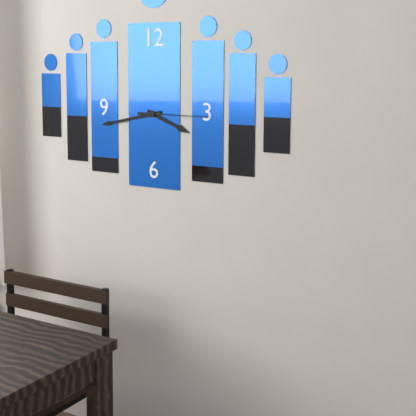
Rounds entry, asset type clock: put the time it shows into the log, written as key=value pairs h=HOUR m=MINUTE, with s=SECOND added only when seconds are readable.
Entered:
h=3 m=43 s=15
